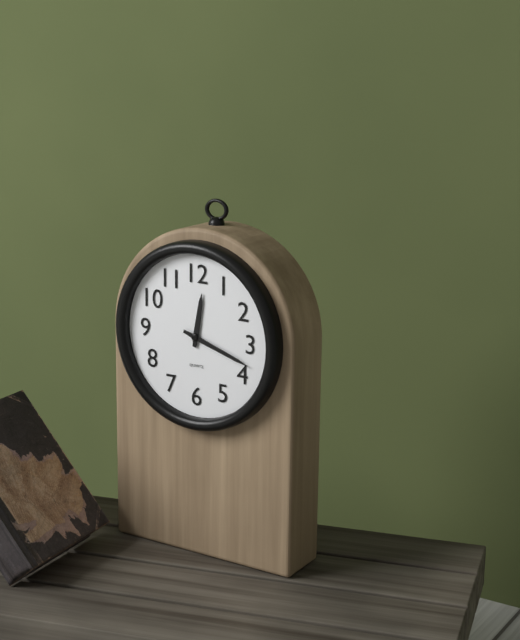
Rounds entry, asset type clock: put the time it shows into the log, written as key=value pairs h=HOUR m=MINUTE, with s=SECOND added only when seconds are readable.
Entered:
h=12 m=18
